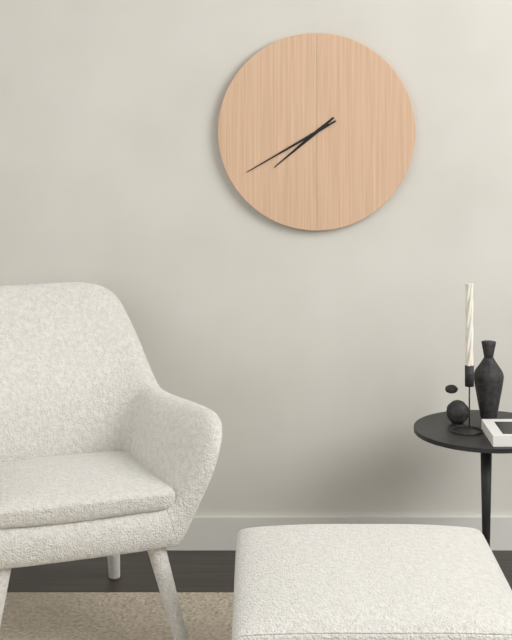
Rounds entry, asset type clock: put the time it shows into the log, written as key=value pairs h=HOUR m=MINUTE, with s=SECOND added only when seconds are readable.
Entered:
h=7 m=40
